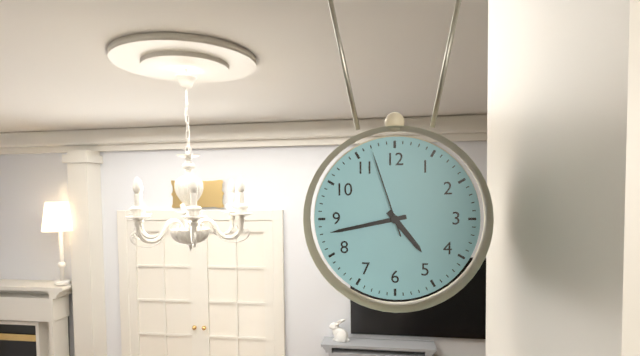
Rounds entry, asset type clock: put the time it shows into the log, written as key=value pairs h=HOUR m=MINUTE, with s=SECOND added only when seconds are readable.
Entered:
h=4 m=43 s=57
